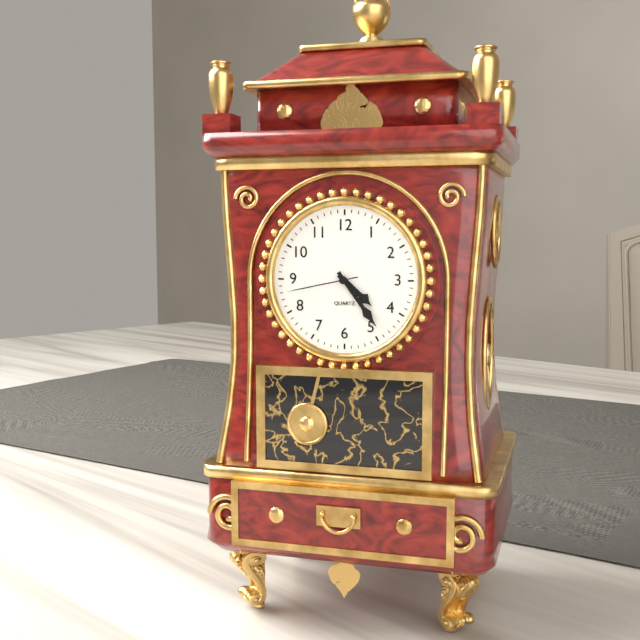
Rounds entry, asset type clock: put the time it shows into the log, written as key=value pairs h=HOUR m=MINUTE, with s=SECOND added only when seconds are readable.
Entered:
h=4 m=24 s=43
